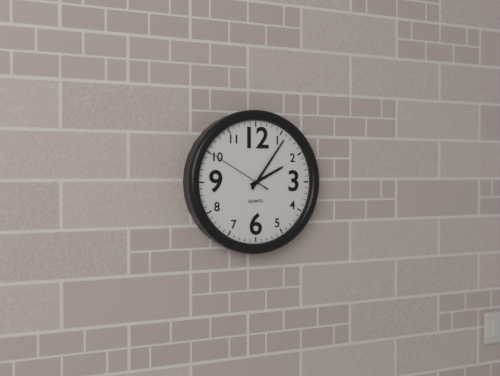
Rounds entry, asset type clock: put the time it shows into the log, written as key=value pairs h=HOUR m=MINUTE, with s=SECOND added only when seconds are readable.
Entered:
h=2 m=6 s=50
